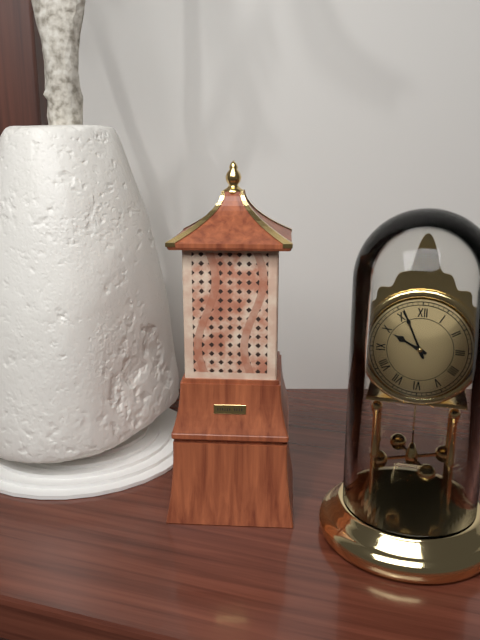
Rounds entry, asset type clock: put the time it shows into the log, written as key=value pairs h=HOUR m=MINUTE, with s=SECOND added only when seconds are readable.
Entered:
h=9 m=56
